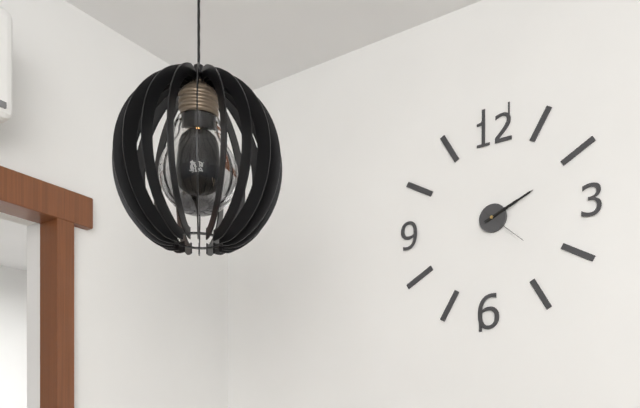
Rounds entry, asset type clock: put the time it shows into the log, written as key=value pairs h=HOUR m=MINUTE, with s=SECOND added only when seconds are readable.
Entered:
h=2 m=11
